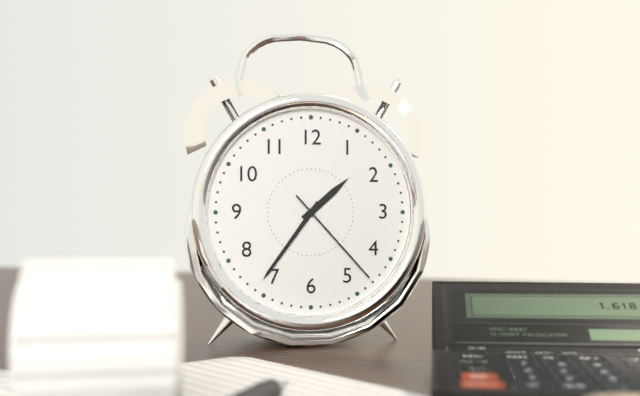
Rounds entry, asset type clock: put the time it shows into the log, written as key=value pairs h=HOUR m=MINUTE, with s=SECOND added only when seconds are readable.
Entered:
h=1 m=36 s=23
